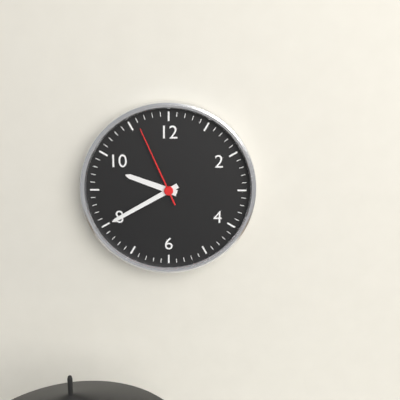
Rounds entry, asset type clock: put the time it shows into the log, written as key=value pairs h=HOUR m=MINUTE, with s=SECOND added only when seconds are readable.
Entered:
h=9 m=40 s=56
